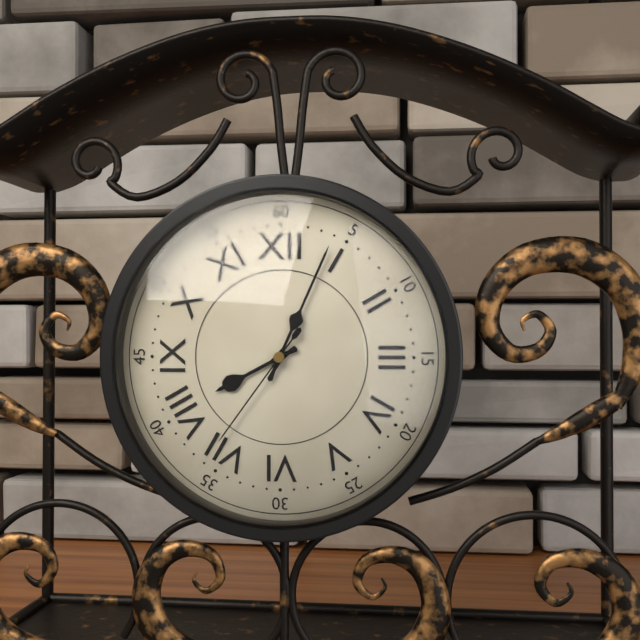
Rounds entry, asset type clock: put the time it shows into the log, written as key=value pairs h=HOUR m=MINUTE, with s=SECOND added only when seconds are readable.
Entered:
h=8 m=4 s=36
